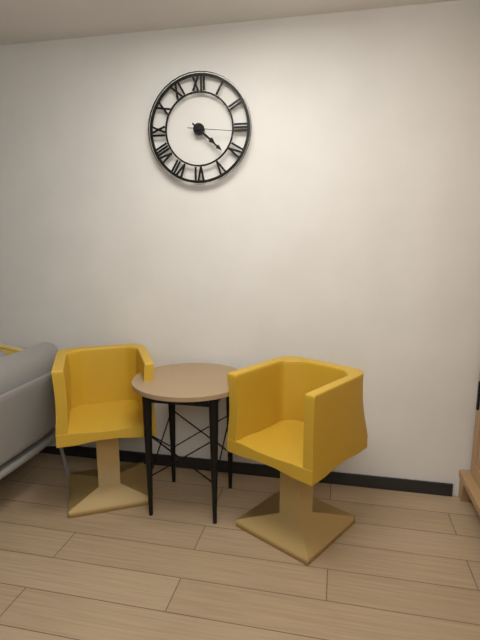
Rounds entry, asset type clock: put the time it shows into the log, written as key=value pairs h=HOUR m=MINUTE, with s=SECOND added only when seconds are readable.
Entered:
h=4 m=22
